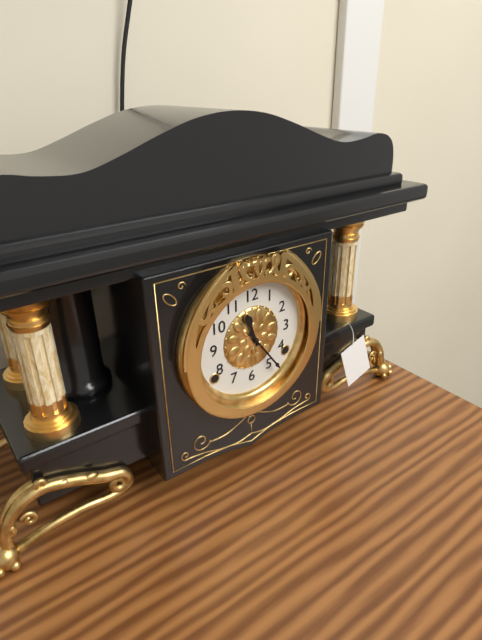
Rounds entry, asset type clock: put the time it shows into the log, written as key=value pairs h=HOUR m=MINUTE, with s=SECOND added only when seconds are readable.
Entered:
h=11 m=24
